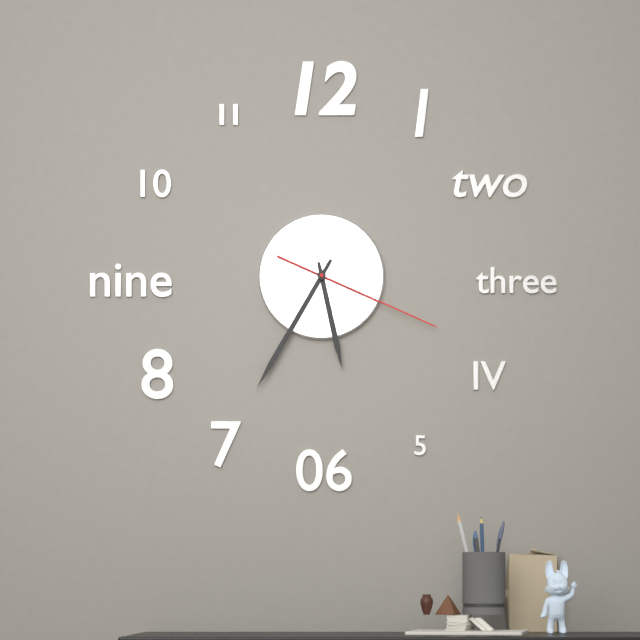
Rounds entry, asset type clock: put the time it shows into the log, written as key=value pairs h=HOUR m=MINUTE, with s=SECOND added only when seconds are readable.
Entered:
h=5 m=35 s=19
